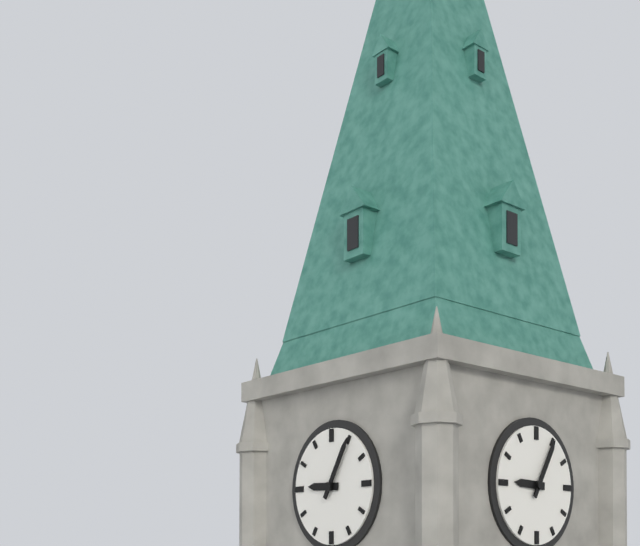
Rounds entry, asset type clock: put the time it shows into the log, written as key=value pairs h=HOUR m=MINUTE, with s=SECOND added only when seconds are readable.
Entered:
h=9 m=5
